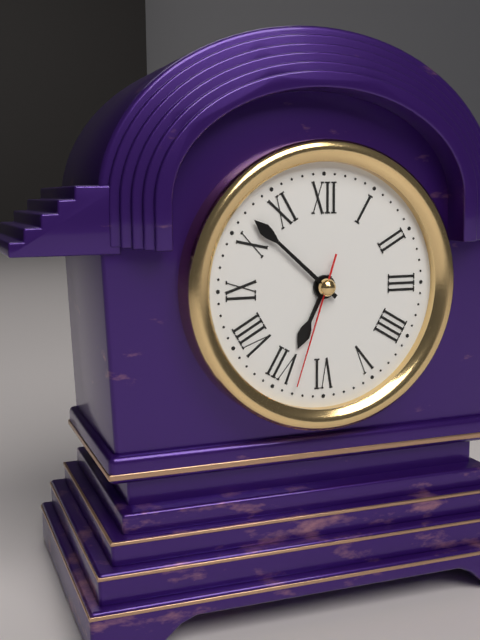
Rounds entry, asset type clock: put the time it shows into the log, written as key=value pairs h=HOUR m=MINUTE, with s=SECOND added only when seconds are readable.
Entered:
h=6 m=52 s=33
